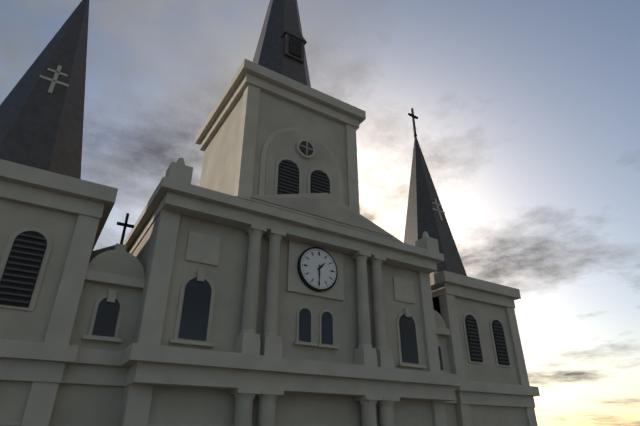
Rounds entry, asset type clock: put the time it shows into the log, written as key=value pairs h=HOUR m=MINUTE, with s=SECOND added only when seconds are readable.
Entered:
h=1 m=30
